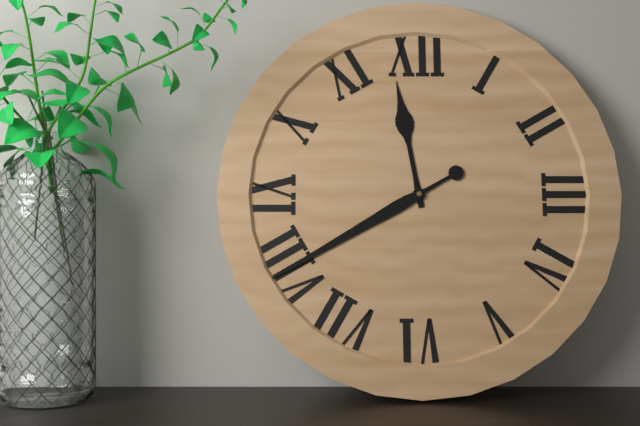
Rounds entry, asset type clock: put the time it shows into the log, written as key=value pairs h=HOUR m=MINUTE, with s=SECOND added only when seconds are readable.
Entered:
h=11 m=40
